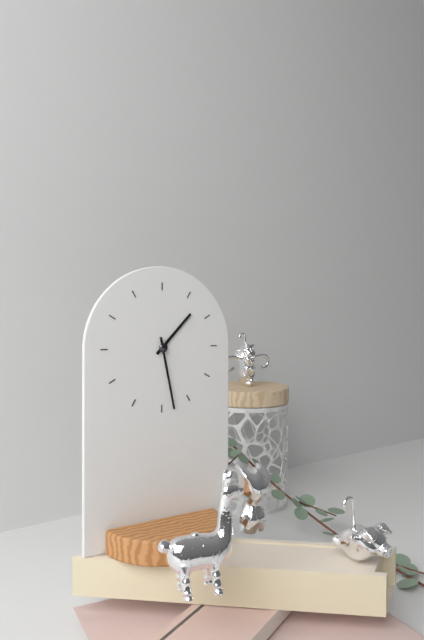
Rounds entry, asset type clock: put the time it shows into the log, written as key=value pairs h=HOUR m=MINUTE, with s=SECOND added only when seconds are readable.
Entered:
h=1 m=28
